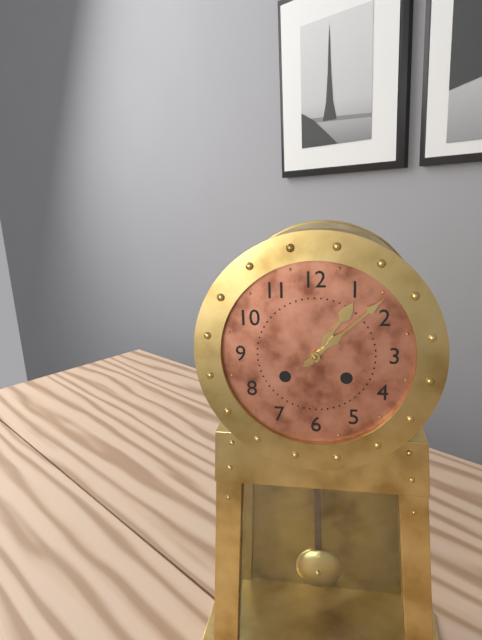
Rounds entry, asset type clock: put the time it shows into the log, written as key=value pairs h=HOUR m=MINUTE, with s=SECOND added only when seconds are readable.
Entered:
h=1 m=8
